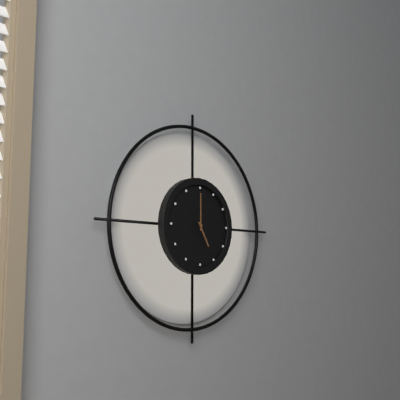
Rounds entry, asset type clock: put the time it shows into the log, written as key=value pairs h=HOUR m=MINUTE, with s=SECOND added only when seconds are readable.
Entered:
h=5 m=0
